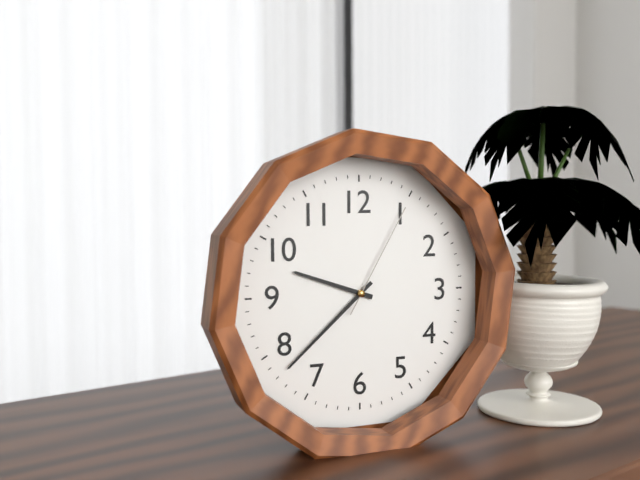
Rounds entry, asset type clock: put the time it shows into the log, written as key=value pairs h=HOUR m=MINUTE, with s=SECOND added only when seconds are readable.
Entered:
h=9 m=38 s=5
